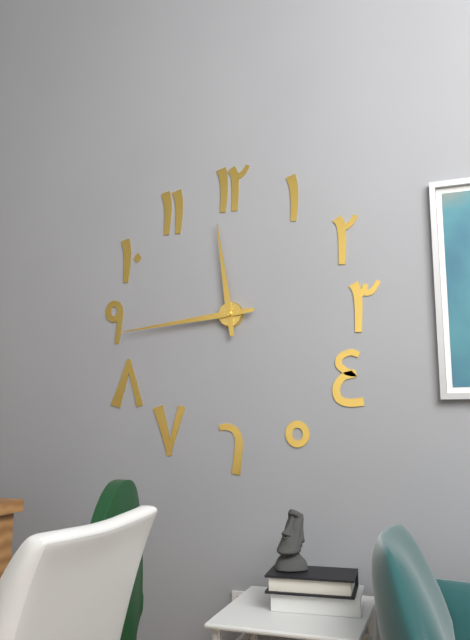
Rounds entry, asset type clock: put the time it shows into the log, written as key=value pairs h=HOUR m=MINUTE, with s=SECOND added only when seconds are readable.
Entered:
h=11 m=44
